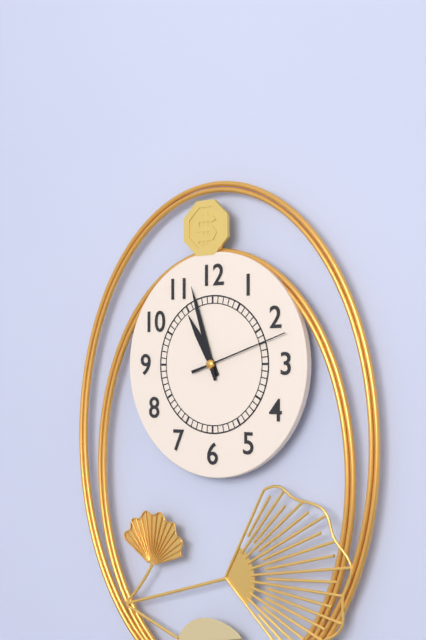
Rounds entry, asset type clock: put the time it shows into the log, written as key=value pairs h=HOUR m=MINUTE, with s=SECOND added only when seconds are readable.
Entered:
h=10 m=57 s=12
